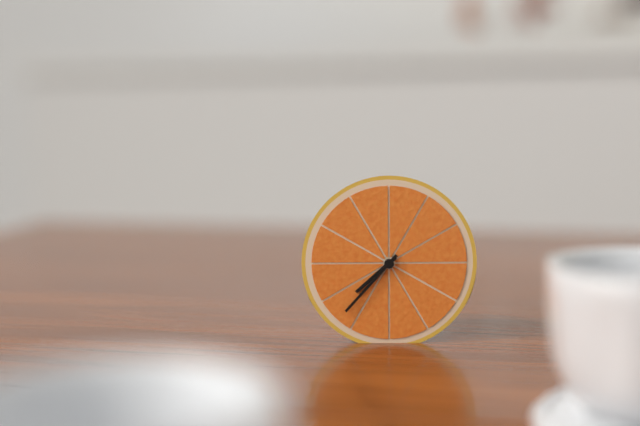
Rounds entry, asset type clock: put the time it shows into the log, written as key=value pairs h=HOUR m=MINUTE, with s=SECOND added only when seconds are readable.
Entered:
h=7 m=37
